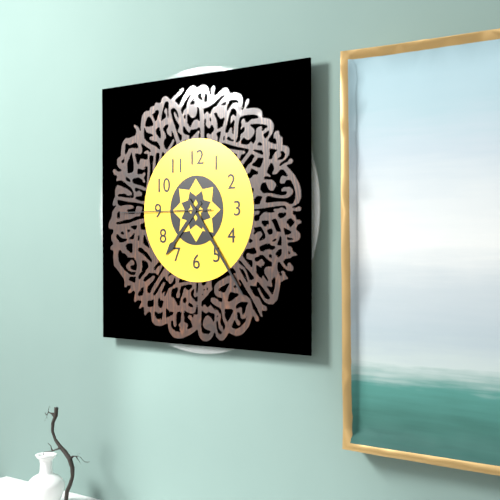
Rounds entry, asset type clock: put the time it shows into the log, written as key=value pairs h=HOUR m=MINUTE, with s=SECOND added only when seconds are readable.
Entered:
h=7 m=24 s=45
